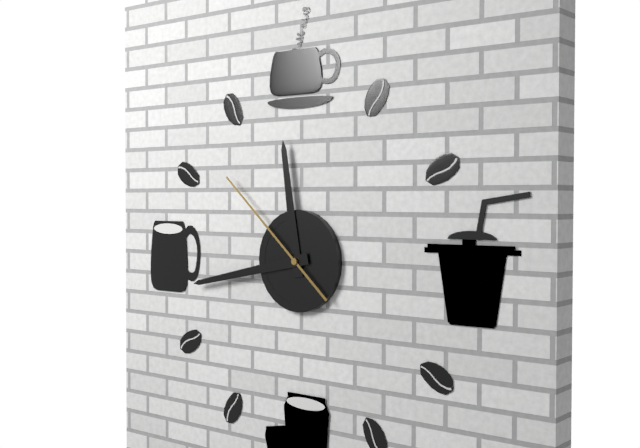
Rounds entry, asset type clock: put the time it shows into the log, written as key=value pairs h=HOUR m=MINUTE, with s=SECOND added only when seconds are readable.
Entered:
h=11 m=43 s=52
